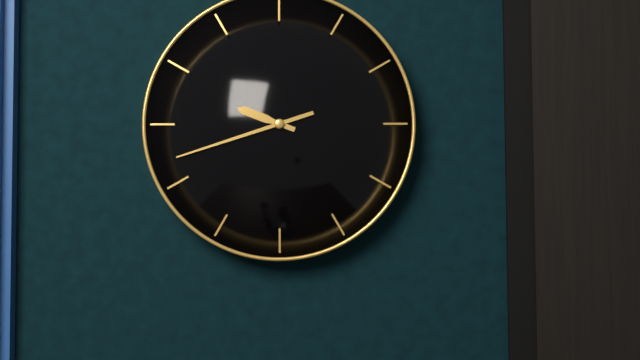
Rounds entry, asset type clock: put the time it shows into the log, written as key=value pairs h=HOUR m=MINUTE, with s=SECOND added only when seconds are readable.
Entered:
h=9 m=42
